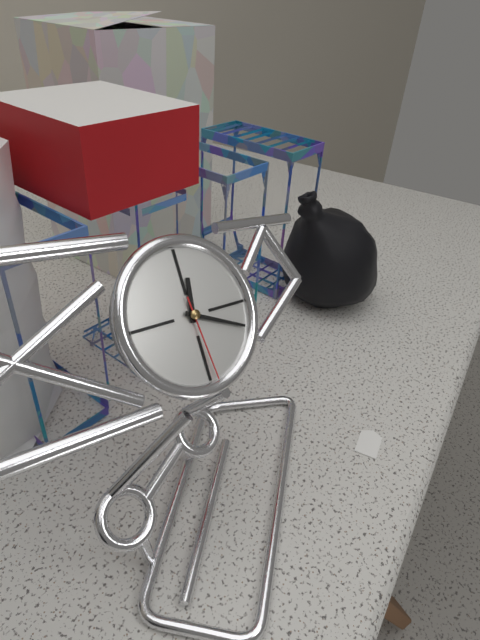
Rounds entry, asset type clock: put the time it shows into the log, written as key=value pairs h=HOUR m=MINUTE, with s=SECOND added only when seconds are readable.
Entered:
h=12 m=19 s=29
